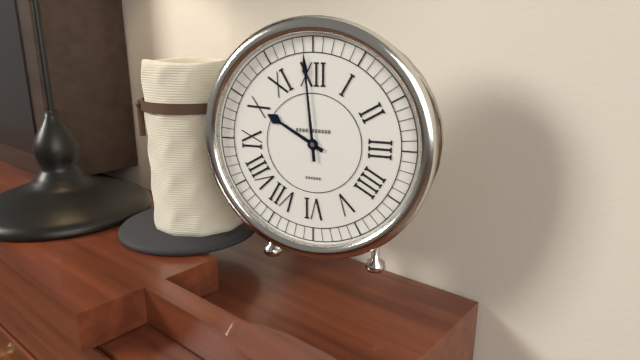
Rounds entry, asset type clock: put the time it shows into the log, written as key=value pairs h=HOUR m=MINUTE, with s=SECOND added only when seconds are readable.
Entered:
h=9 m=59
